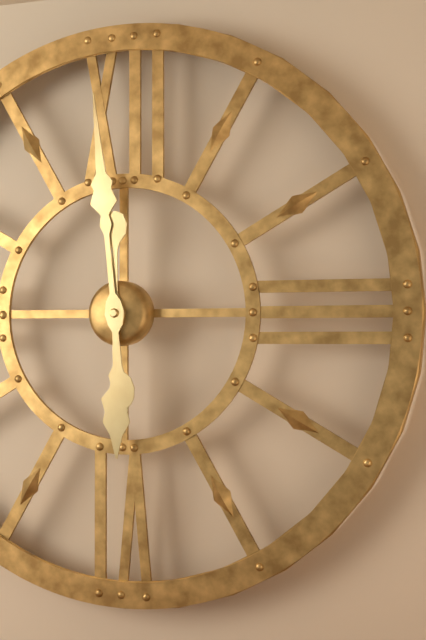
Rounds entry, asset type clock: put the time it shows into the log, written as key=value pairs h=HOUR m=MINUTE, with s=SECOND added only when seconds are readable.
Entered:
h=5 m=59
